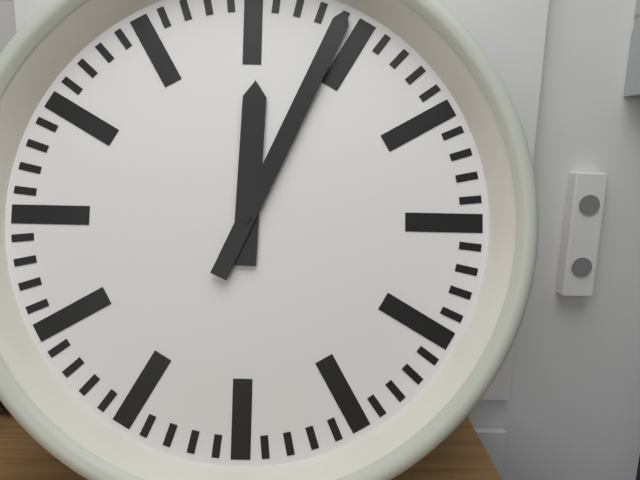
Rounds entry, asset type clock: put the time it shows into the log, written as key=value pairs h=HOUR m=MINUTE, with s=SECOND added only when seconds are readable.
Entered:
h=12 m=4
